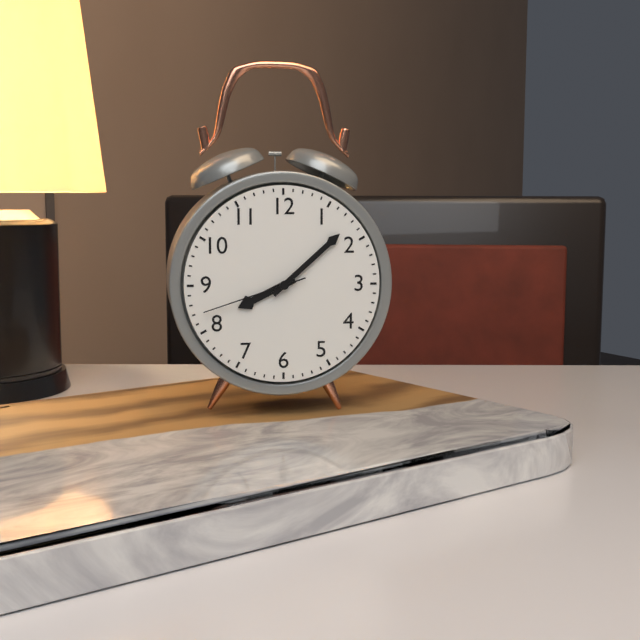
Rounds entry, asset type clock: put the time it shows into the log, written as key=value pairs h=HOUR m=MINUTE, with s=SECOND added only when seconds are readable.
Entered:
h=8 m=8 s=42
